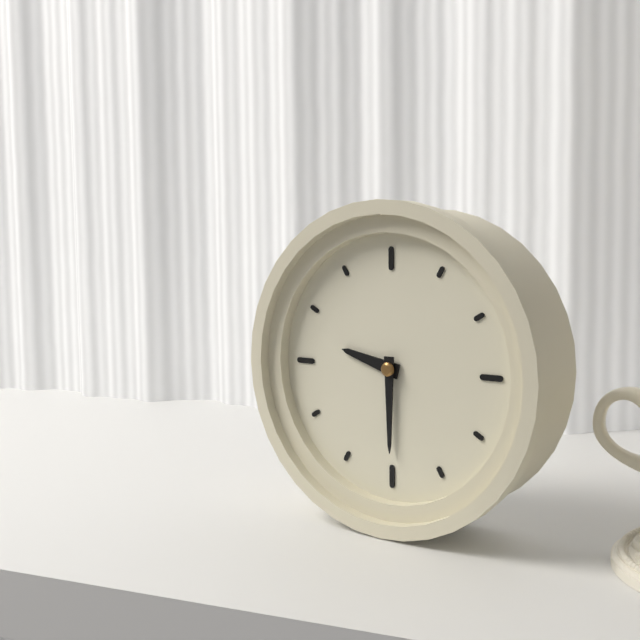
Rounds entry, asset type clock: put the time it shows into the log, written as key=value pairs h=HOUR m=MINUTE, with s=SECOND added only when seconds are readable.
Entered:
h=9 m=30
